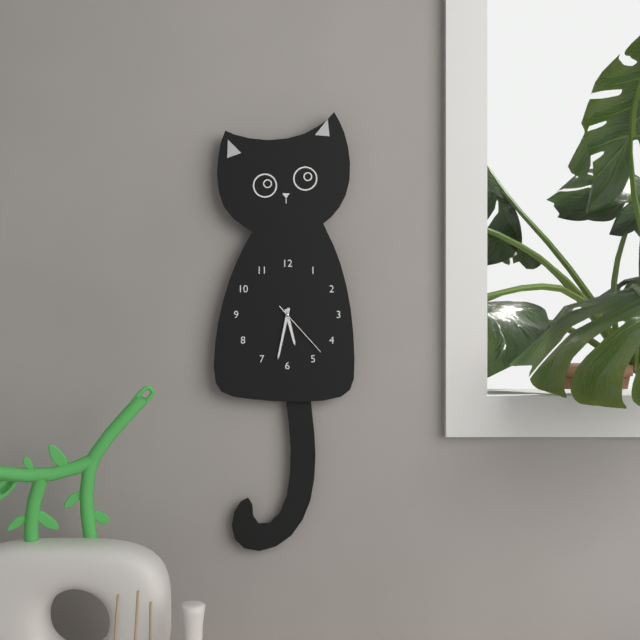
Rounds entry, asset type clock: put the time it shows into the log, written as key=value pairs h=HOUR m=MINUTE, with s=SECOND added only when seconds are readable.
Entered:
h=5 m=32 s=23
